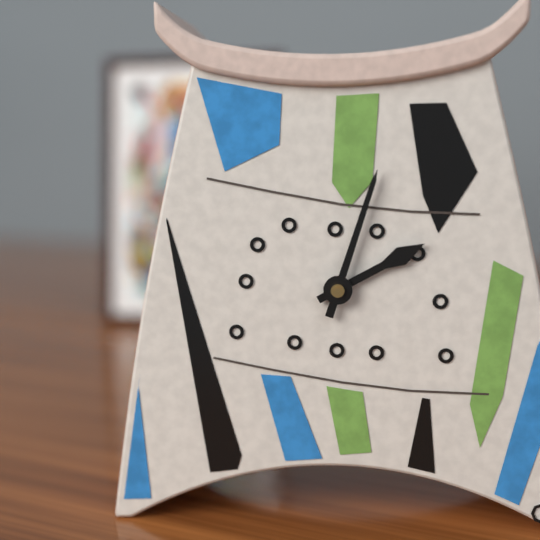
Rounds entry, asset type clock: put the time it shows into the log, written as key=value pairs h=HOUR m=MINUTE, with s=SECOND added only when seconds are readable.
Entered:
h=2 m=3
